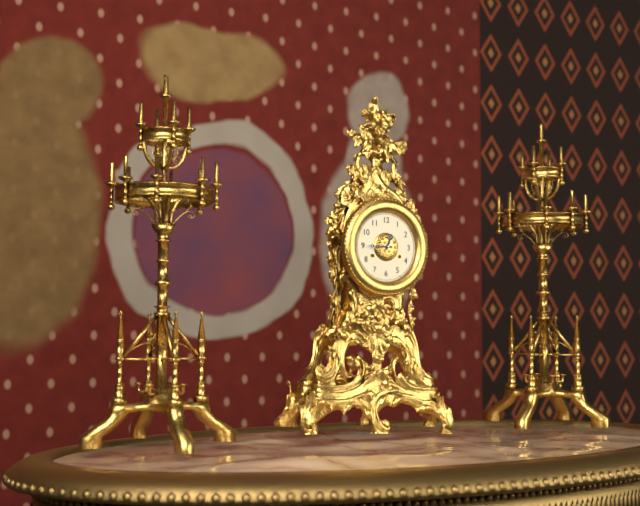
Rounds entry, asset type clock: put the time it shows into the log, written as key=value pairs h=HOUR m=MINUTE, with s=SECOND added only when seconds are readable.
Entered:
h=12 m=45
